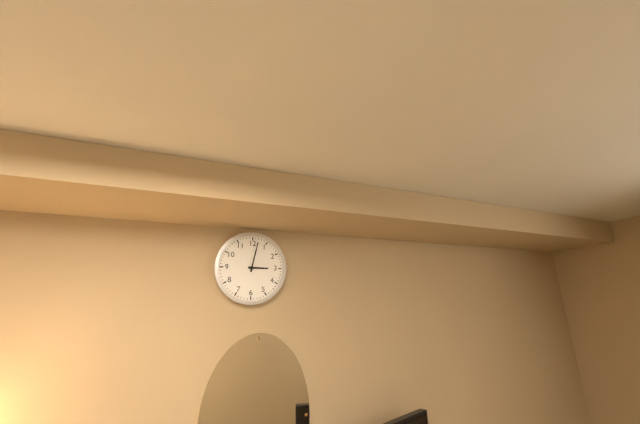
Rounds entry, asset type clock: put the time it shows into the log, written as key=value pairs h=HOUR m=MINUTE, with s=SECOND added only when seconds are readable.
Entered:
h=3 m=2
